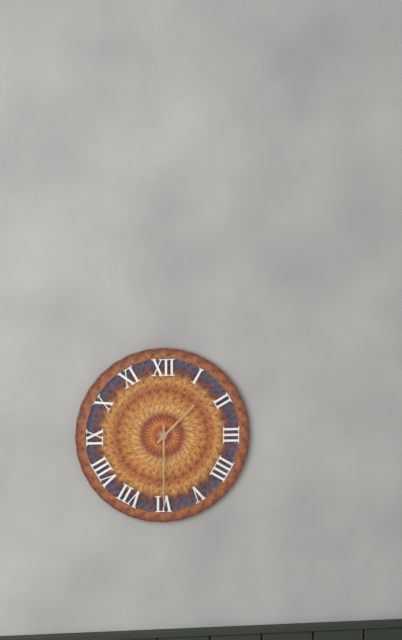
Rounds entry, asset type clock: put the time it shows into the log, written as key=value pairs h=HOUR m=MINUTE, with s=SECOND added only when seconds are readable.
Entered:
h=1 m=30
